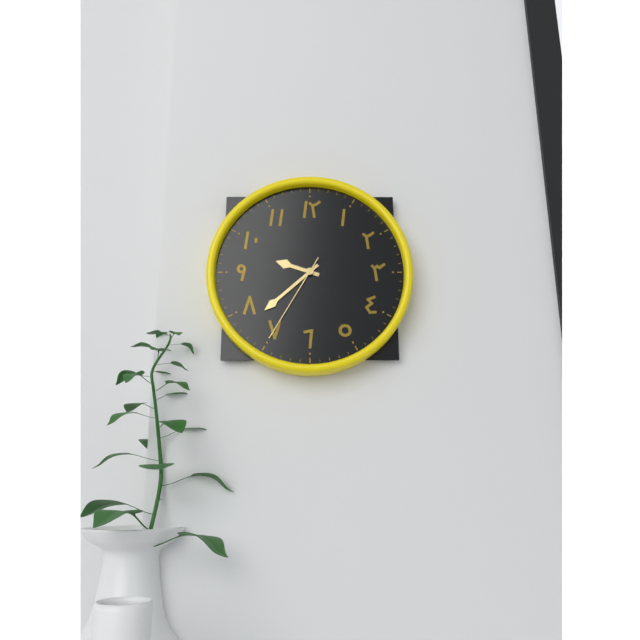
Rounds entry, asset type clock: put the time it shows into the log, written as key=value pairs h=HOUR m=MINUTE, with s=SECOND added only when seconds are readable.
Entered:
h=9 m=38 s=35
